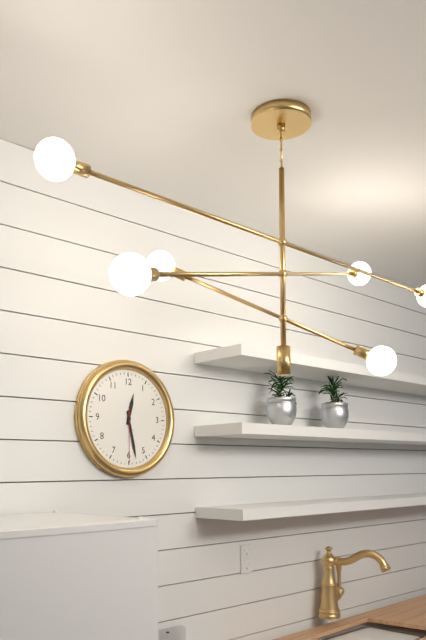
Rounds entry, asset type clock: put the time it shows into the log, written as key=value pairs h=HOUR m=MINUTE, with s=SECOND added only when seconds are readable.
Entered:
h=12 m=28 s=30
